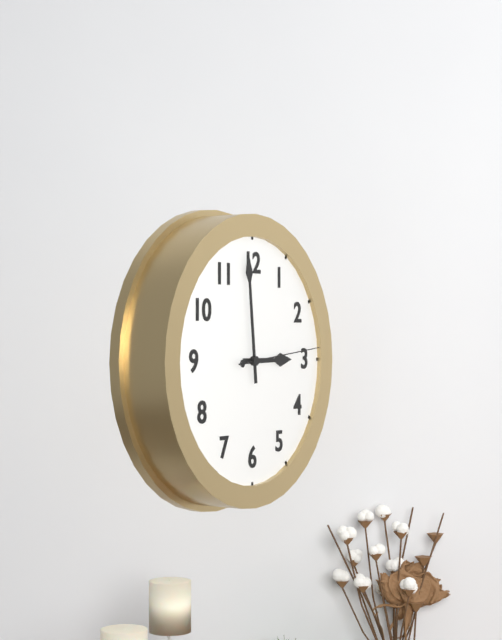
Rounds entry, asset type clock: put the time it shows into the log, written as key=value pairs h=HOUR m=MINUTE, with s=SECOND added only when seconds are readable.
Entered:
h=2 m=59 s=14
